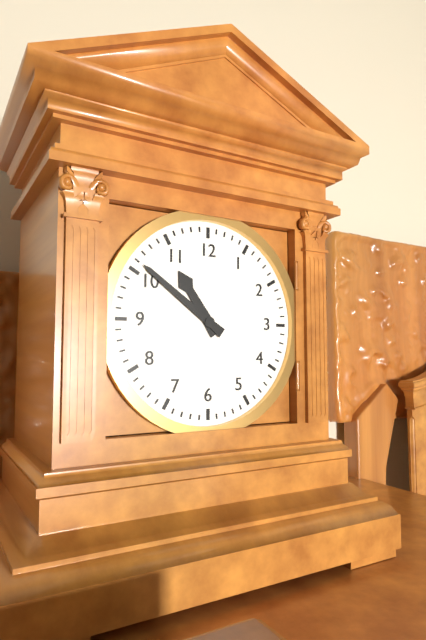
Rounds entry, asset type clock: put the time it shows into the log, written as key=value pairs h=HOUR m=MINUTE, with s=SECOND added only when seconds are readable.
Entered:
h=10 m=51
